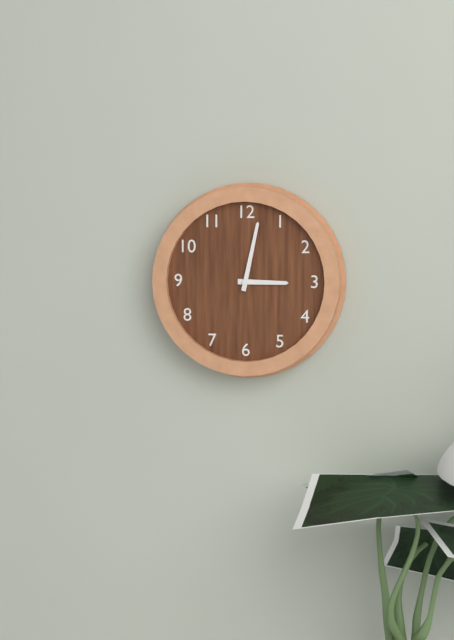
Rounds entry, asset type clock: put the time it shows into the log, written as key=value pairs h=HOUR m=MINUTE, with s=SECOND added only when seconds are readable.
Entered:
h=3 m=2
